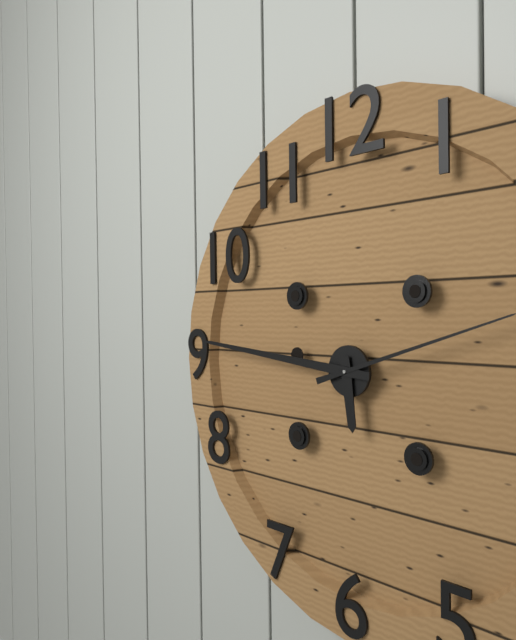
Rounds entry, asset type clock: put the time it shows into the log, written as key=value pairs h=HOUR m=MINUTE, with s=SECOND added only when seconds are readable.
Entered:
h=5 m=46
